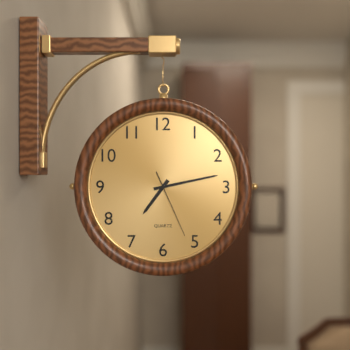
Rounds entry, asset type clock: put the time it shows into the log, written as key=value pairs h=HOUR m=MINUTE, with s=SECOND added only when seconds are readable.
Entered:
h=7 m=13 s=26
